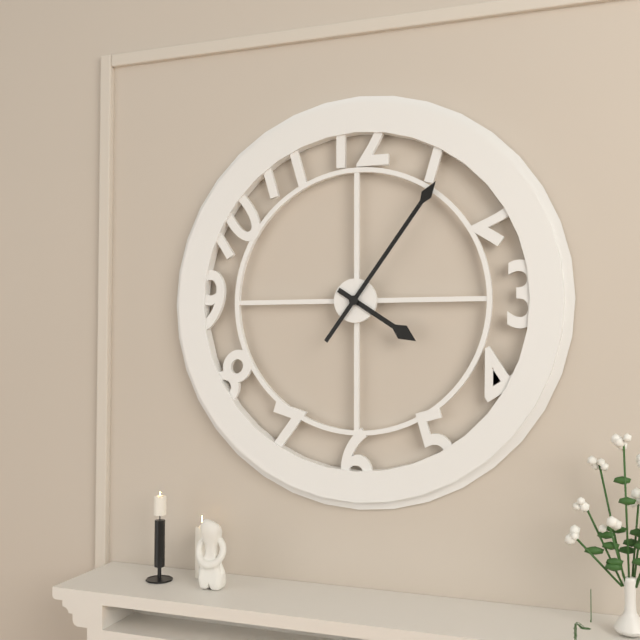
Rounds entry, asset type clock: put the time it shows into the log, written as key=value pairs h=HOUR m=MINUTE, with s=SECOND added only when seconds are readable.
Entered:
h=4 m=6
